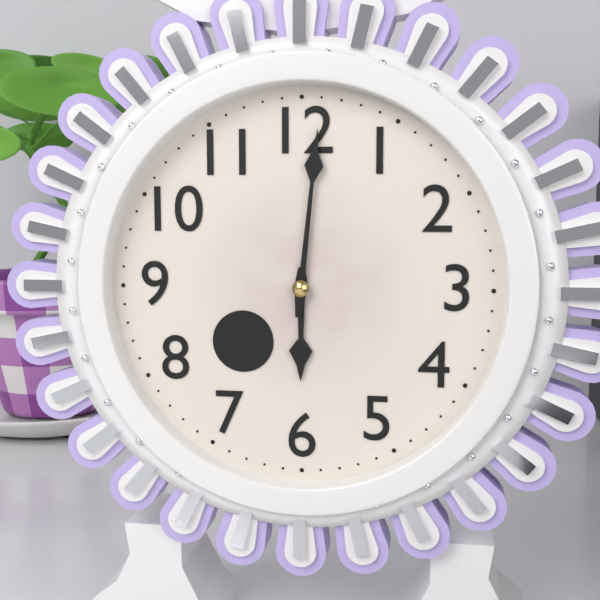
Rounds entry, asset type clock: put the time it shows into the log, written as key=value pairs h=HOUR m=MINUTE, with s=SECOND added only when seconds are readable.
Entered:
h=6 m=1
